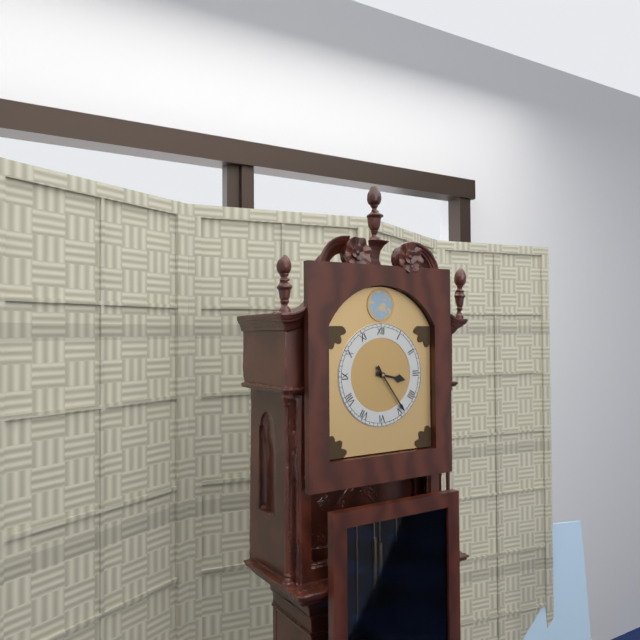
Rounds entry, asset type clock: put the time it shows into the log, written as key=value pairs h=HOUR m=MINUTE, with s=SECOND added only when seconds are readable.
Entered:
h=3 m=24
